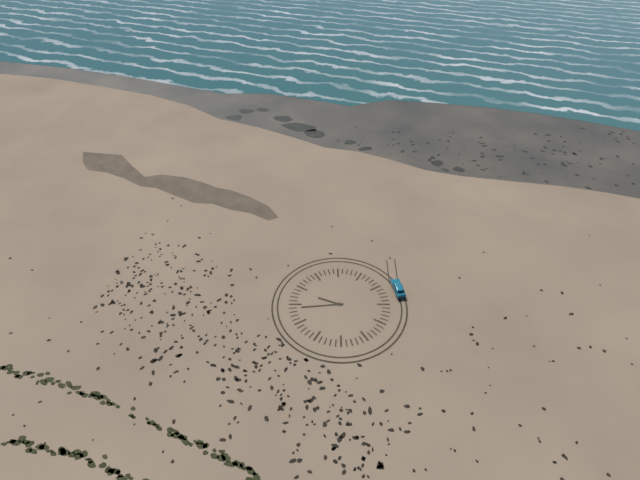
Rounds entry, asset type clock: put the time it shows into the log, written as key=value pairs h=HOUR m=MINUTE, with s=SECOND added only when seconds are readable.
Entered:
h=9 m=44
